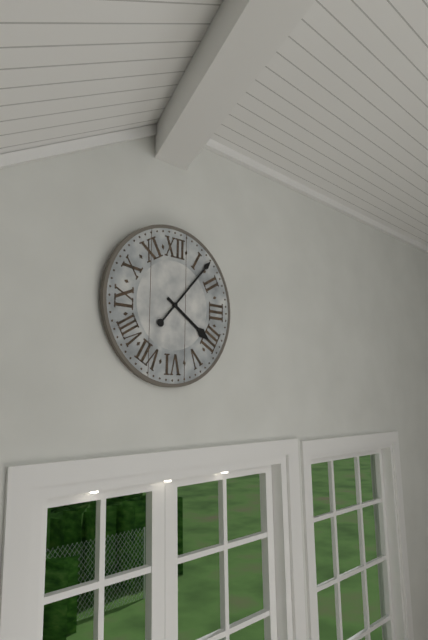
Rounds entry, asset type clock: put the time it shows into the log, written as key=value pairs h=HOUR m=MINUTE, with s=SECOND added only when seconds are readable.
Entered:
h=4 m=7
